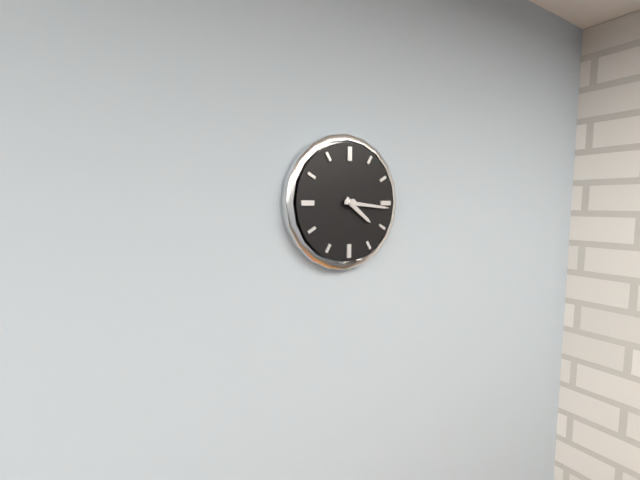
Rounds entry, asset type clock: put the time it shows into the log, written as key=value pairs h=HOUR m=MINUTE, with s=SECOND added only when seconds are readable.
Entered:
h=4 m=16
